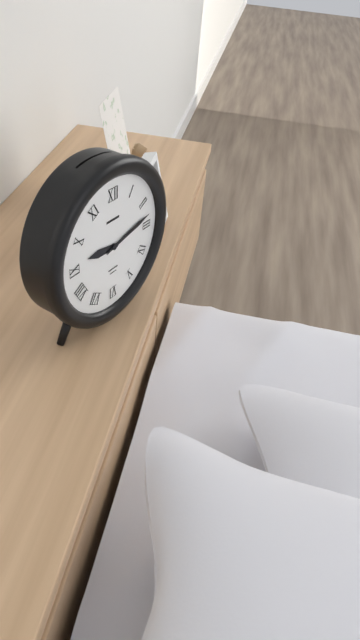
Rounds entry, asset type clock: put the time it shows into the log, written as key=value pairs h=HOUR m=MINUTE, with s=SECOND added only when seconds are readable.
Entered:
h=9 m=13
